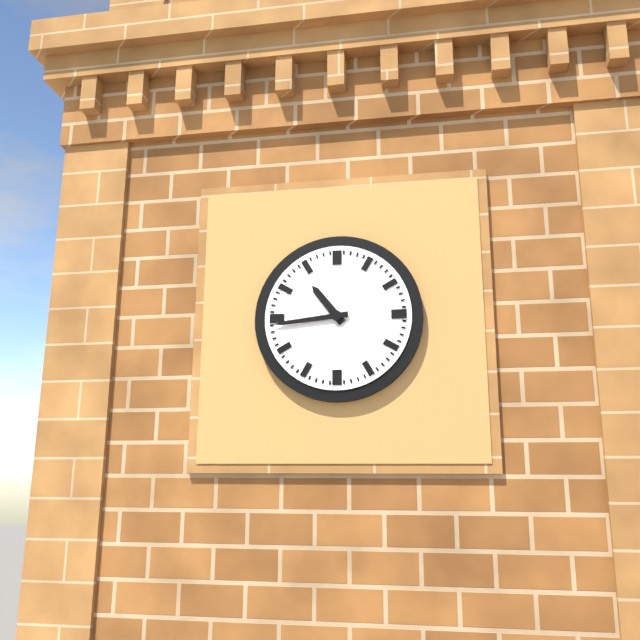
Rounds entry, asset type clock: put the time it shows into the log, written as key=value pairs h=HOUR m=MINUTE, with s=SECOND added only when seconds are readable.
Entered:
h=10 m=44
